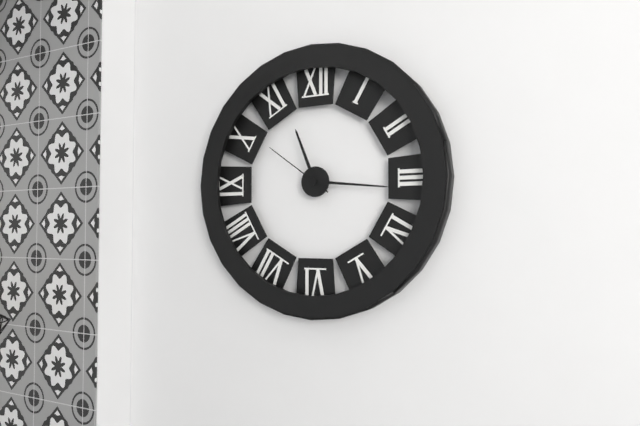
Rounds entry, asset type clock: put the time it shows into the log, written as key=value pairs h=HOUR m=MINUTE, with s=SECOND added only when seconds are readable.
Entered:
h=11 m=16 s=51
